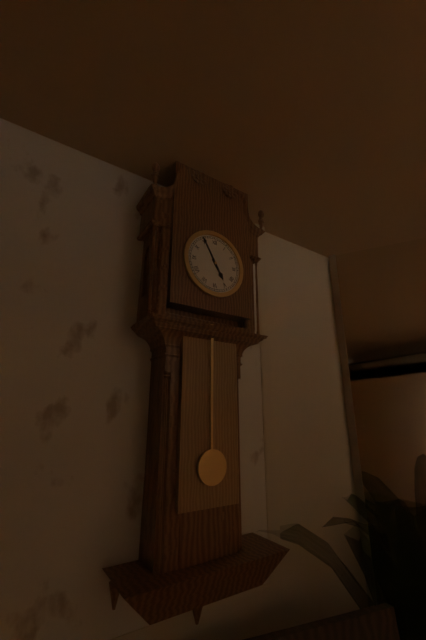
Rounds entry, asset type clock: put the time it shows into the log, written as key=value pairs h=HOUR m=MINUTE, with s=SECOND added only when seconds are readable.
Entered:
h=4 m=55
